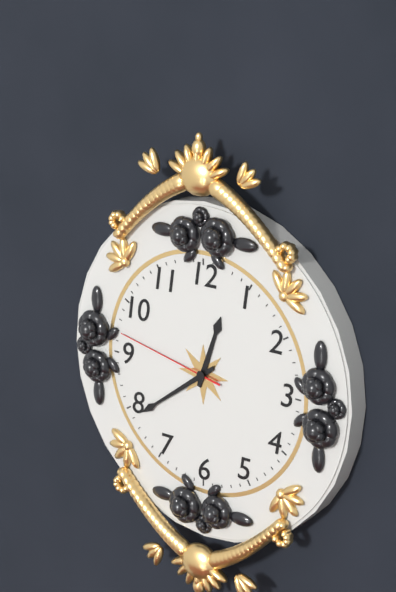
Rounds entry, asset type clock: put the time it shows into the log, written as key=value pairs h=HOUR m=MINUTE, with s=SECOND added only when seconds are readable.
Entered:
h=12 m=39 s=47
